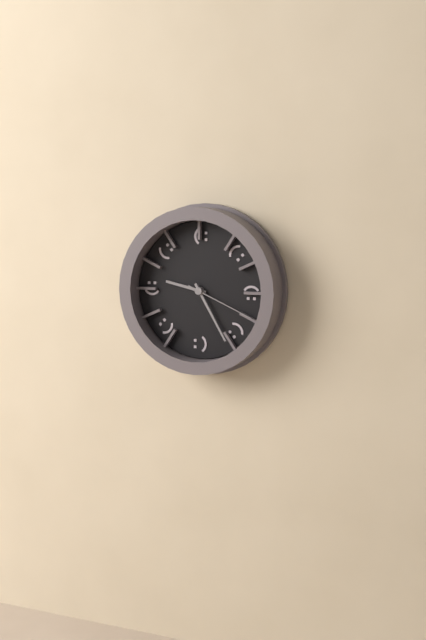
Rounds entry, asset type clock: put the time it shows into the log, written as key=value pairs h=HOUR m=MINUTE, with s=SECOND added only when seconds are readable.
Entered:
h=9 m=25 s=19
